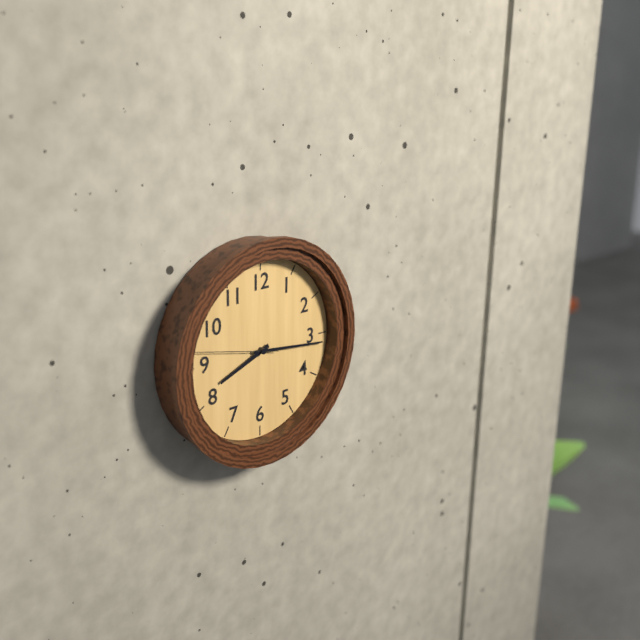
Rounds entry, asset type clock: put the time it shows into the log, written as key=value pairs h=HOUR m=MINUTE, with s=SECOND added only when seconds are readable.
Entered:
h=8 m=16 s=47
